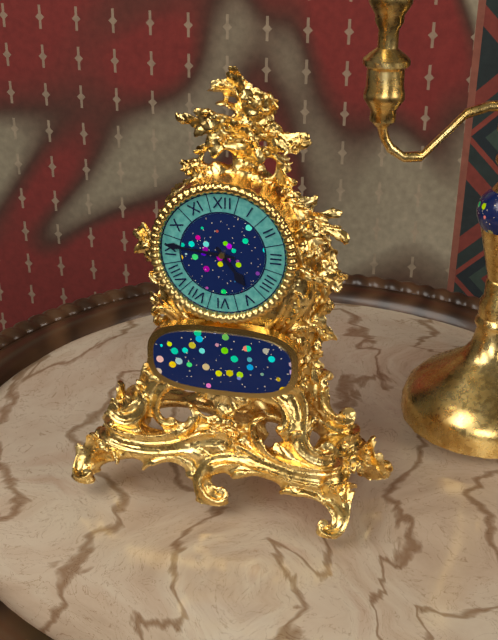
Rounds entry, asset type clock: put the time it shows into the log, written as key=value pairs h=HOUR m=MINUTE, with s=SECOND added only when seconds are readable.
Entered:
h=4 m=46
